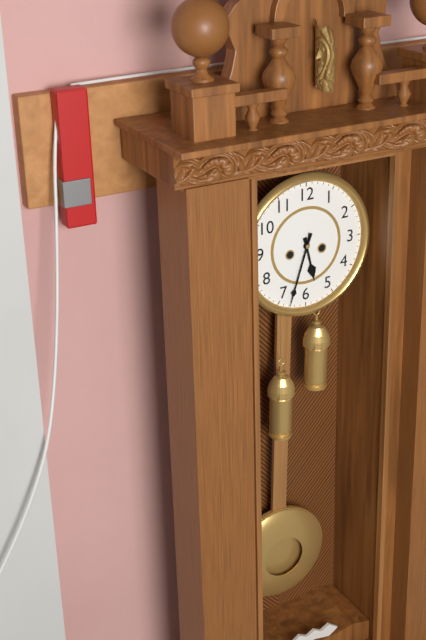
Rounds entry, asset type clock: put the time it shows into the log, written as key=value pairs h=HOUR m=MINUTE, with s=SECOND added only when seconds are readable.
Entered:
h=5 m=33
